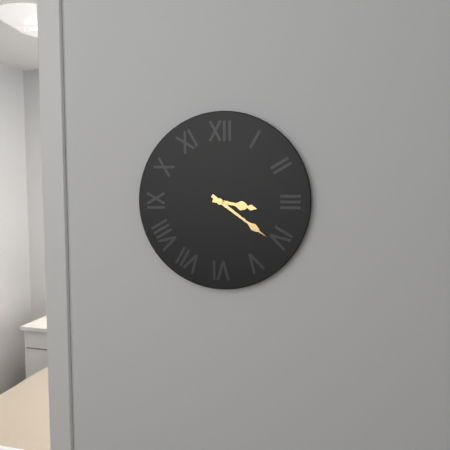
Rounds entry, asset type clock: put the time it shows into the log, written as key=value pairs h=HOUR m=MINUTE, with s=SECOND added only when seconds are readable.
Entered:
h=3 m=21
